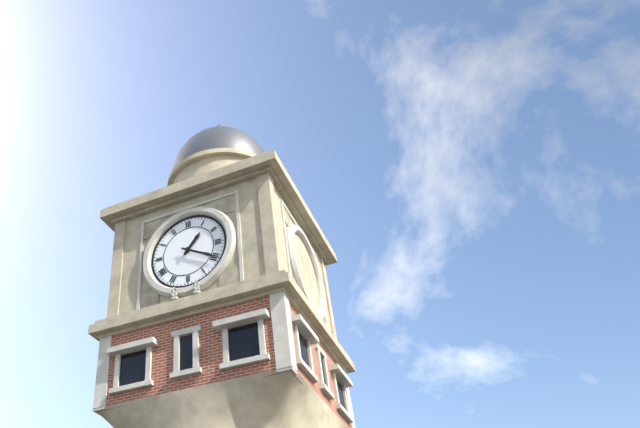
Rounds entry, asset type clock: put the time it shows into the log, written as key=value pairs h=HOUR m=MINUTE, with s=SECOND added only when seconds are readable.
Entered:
h=1 m=20
